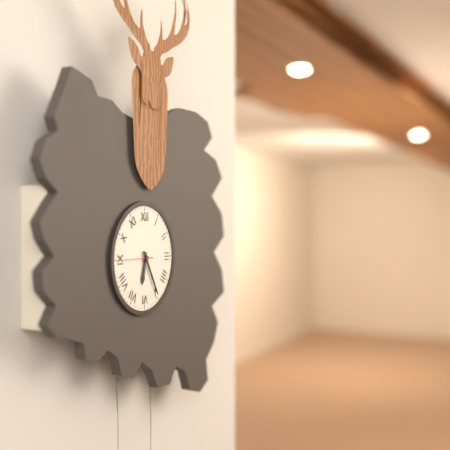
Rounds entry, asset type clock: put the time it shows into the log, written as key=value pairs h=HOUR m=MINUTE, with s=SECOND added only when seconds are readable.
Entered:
h=6 m=25
